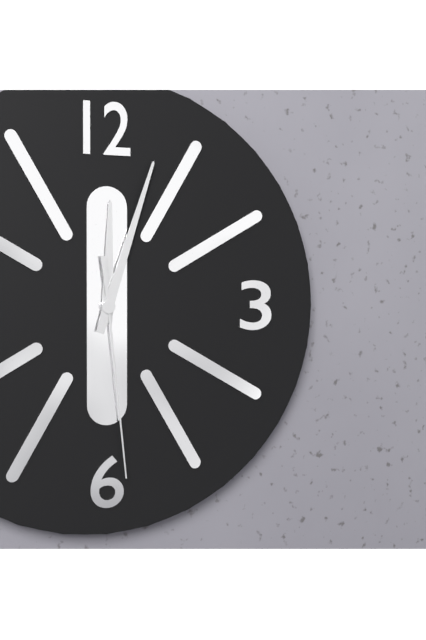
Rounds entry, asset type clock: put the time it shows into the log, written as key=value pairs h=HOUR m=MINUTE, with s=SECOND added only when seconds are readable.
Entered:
h=12 m=3 s=29
